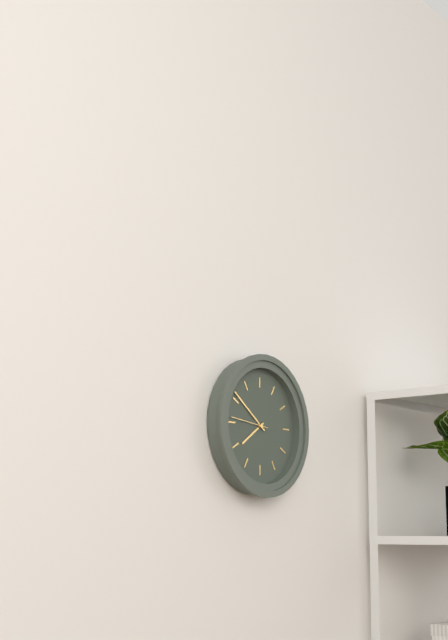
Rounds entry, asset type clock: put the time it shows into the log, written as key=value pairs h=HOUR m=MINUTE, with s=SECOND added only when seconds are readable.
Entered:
h=7 m=51
